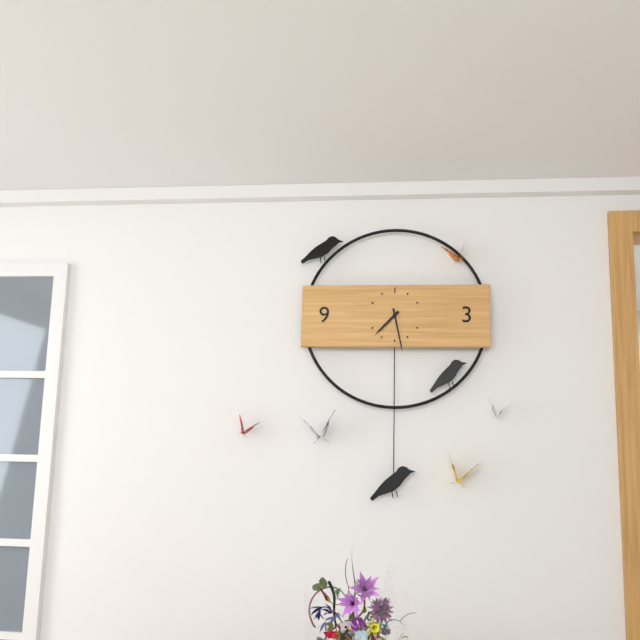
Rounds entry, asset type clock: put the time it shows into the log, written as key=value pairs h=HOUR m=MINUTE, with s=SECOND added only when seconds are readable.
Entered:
h=7 m=28
